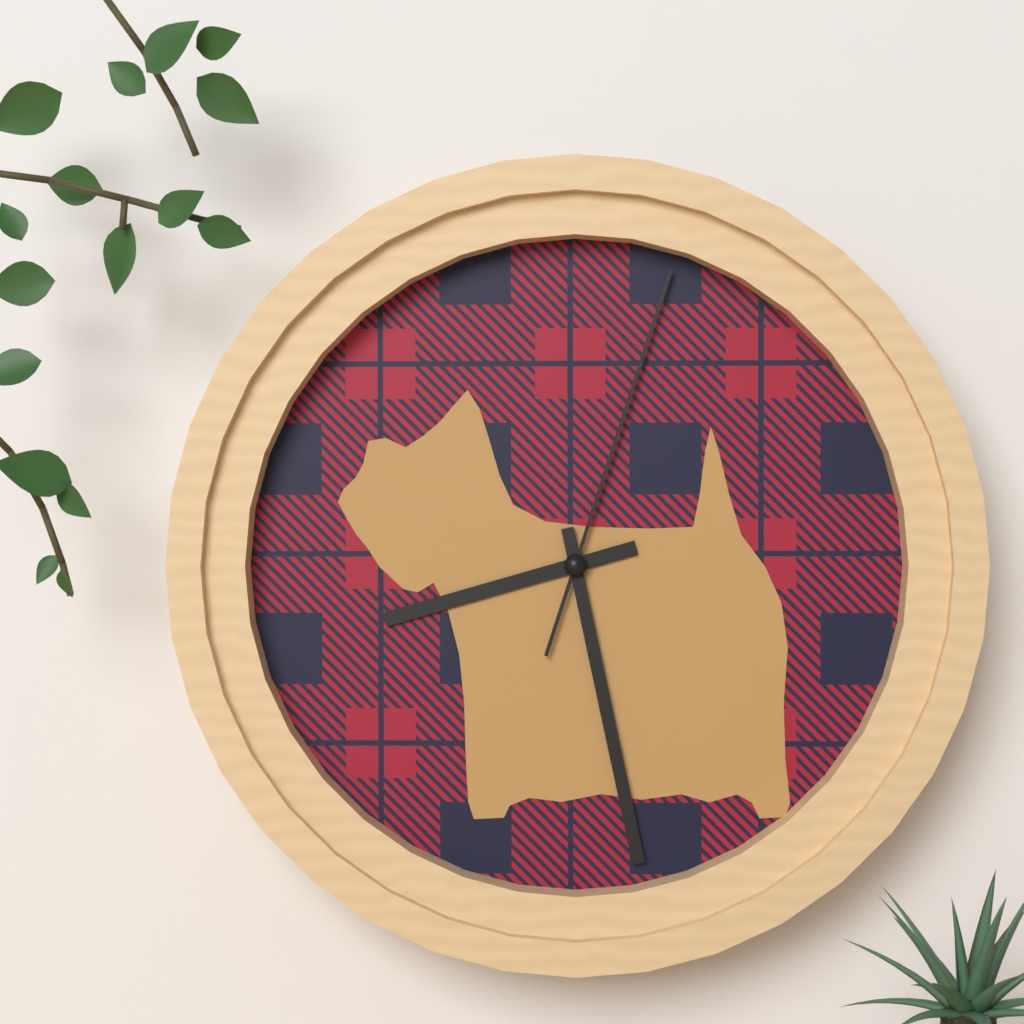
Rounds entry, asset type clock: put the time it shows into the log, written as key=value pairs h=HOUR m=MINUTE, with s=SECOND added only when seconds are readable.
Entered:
h=8 m=28 s=3
